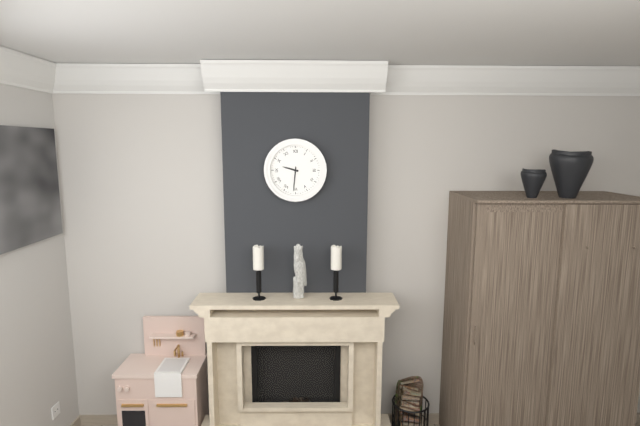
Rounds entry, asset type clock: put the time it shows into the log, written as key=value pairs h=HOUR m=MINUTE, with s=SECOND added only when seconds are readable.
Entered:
h=9 m=31
